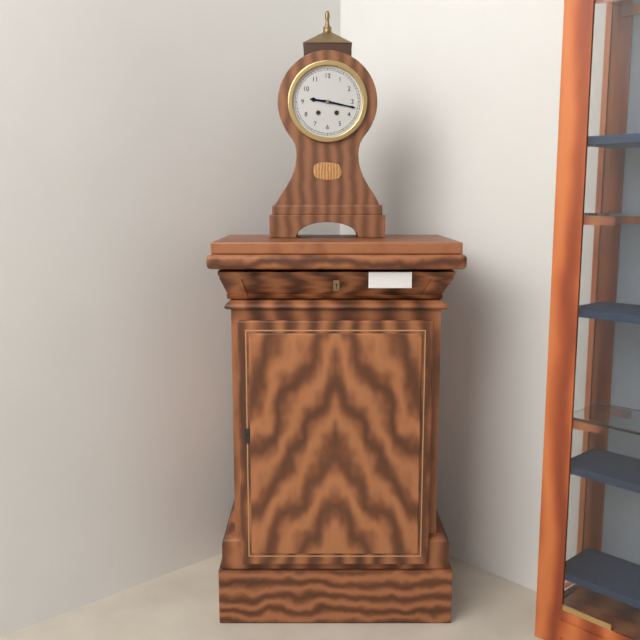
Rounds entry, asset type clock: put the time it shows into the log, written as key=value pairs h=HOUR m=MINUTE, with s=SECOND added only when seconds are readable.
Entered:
h=9 m=17
